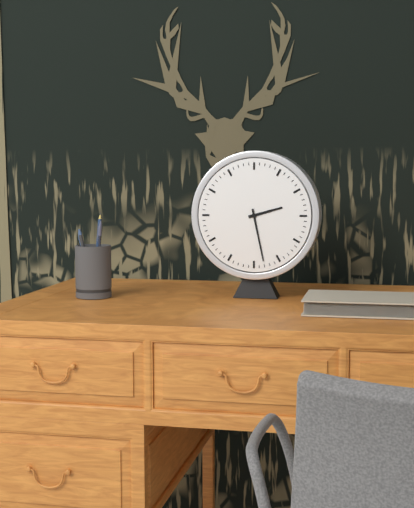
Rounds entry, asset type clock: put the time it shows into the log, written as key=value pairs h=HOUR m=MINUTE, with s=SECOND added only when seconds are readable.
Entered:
h=2 m=28
